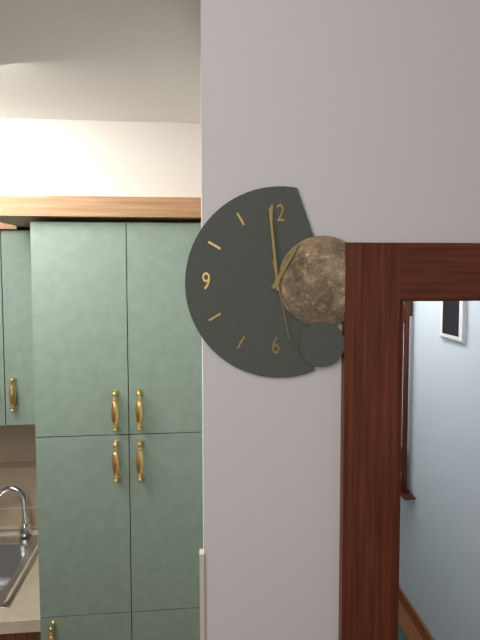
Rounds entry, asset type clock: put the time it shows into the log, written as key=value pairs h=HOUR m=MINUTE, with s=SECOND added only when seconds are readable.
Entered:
h=12 m=59 s=28
